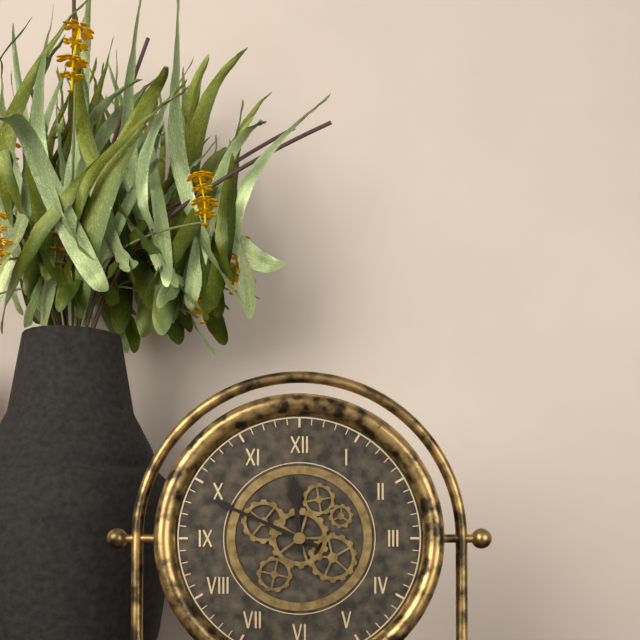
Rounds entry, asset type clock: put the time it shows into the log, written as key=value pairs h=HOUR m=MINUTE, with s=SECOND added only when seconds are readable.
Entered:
h=11 m=49
